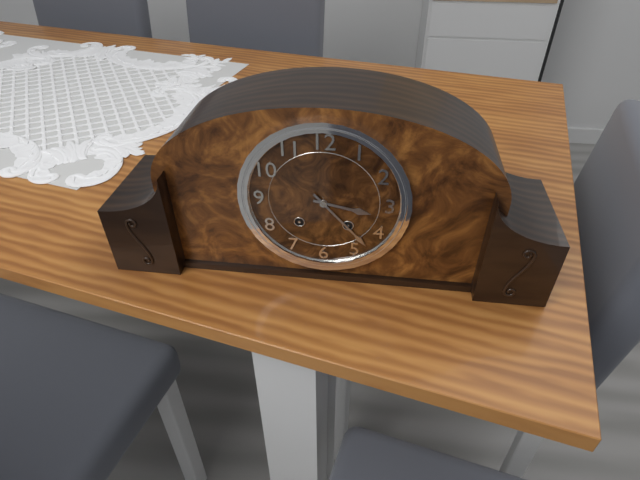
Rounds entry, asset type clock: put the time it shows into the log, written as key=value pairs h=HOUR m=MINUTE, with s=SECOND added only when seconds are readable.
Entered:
h=3 m=23
